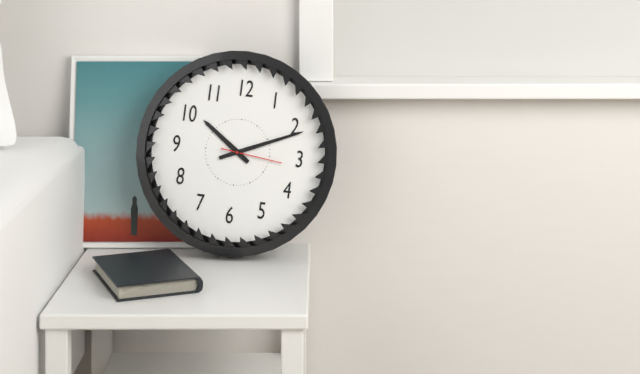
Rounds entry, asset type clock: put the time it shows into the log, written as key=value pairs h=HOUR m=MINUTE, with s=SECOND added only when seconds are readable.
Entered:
h=10 m=11 s=16
